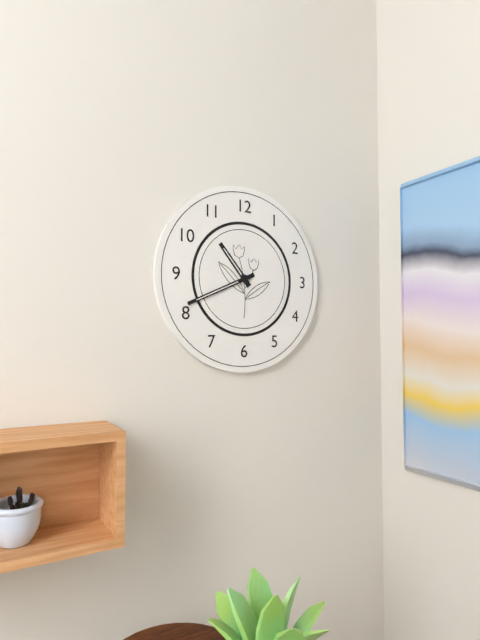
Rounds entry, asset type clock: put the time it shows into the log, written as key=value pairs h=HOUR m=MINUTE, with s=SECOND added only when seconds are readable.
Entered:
h=10 m=41
